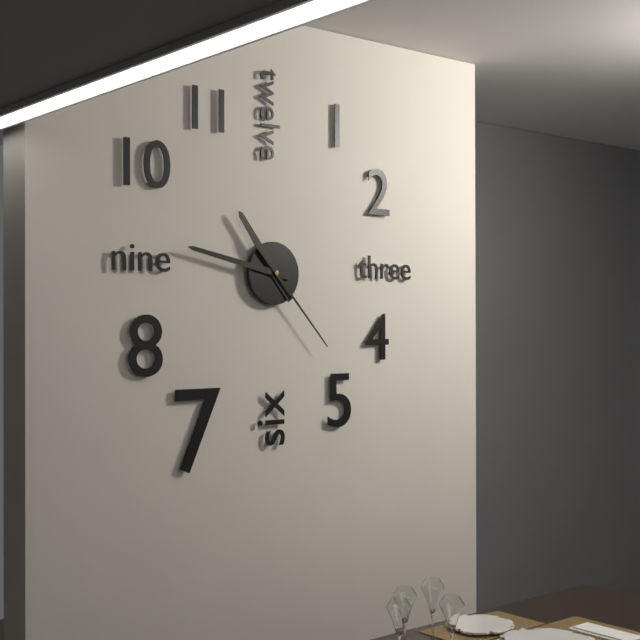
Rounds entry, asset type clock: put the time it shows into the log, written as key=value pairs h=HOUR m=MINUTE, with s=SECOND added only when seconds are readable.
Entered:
h=10 m=47 s=23
